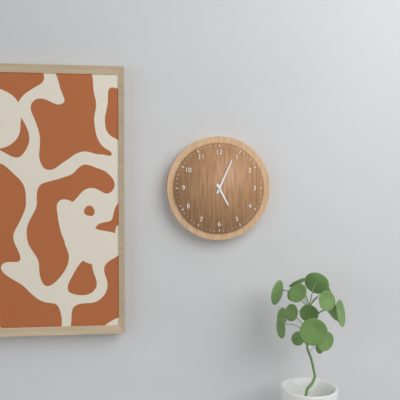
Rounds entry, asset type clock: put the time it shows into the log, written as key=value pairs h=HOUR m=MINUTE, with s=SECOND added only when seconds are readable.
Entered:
h=5 m=4
